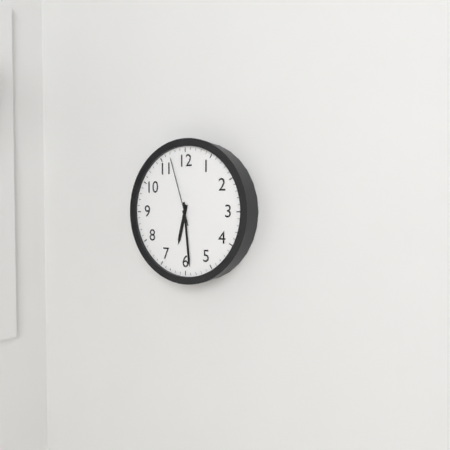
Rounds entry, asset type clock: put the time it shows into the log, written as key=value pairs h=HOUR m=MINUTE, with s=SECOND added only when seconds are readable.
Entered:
h=6 m=29 s=57
